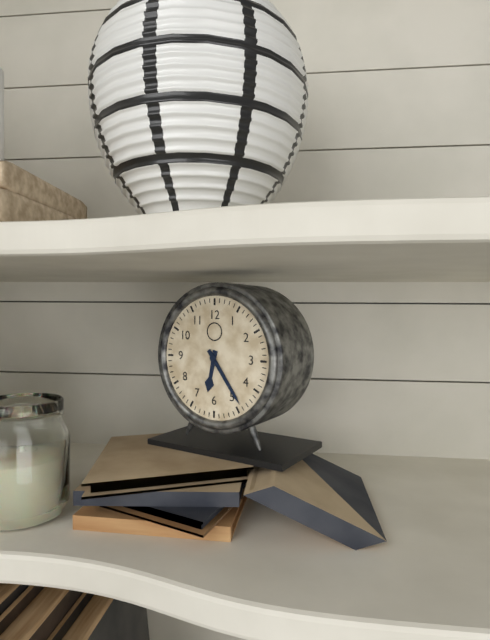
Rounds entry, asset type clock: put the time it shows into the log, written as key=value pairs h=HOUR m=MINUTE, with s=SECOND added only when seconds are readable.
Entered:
h=6 m=24
